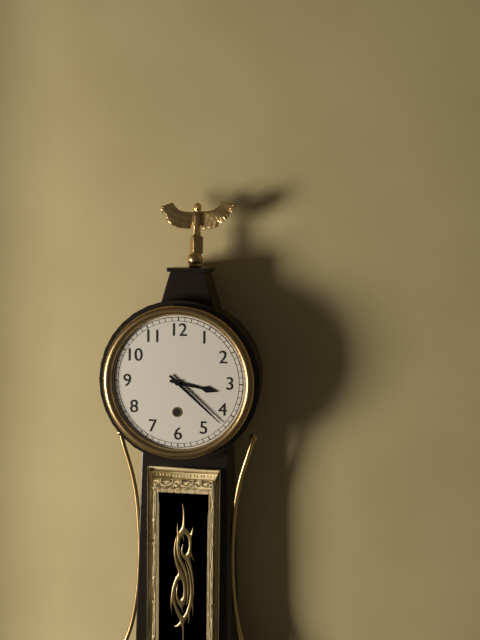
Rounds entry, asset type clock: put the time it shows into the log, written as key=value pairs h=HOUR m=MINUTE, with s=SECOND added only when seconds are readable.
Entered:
h=3 m=22
